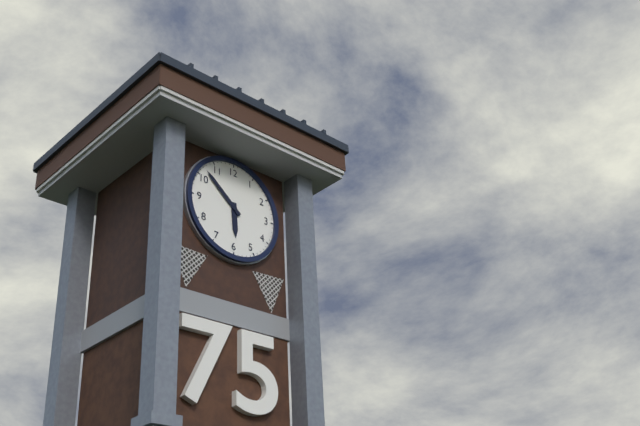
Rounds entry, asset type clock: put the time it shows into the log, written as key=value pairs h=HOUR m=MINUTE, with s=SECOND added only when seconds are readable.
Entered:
h=5 m=52
